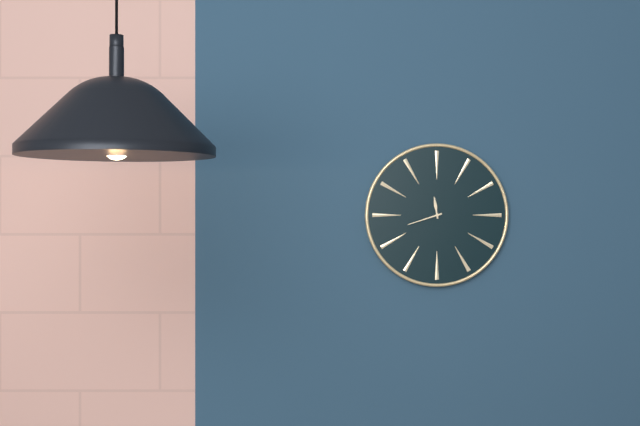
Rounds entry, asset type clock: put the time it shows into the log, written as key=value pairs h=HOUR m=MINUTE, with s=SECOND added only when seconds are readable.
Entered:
h=11 m=42
